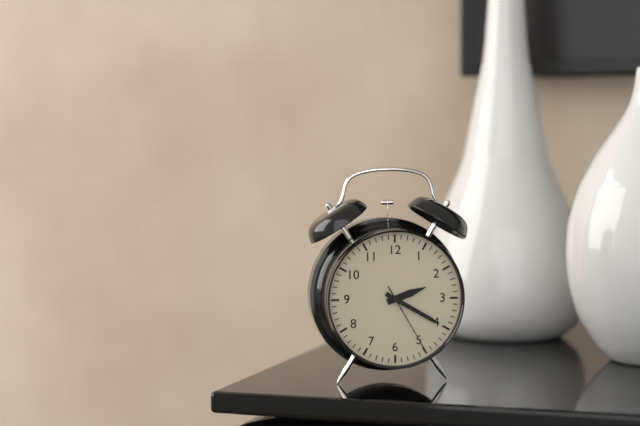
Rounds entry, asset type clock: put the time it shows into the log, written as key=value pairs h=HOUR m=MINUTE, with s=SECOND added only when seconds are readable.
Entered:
h=2 m=20 s=25
